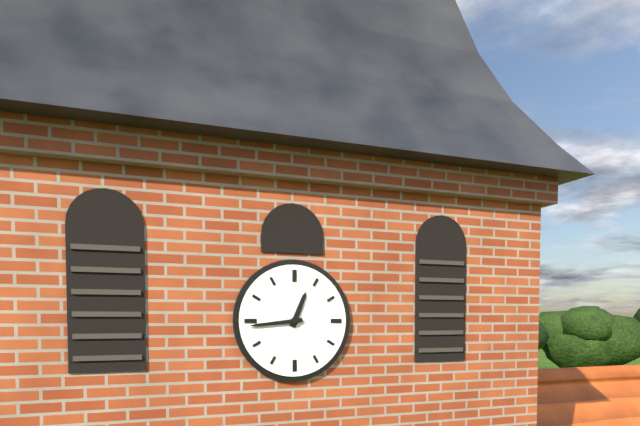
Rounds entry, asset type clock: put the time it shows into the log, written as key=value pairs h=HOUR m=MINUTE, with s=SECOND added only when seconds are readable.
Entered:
h=12 m=44
